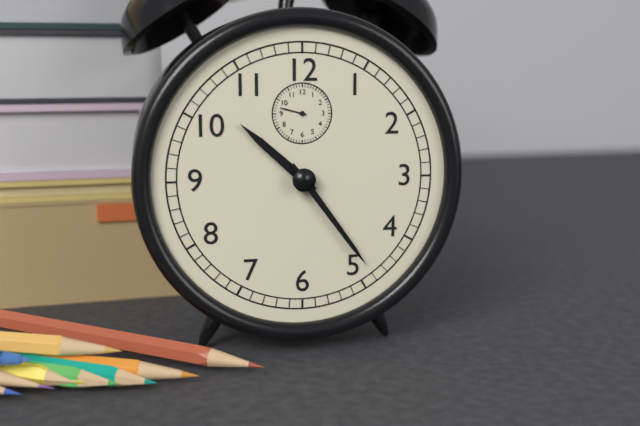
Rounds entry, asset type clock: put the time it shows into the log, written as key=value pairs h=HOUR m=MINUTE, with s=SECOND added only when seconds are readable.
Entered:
h=10 m=24
